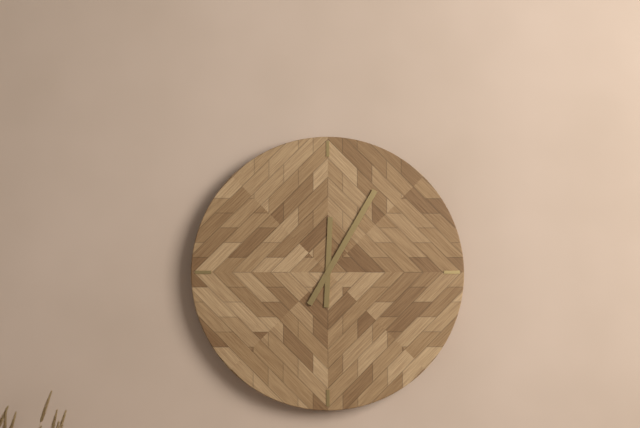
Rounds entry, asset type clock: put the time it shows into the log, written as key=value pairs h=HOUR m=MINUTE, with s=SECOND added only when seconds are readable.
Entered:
h=12 m=5
